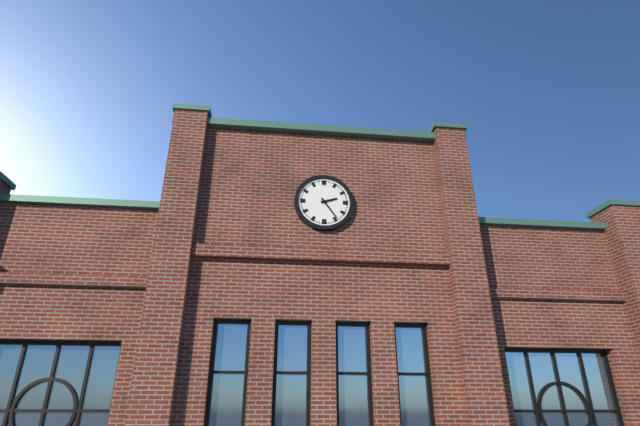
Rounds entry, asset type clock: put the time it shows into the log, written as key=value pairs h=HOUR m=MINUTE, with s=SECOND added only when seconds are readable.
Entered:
h=2 m=24
